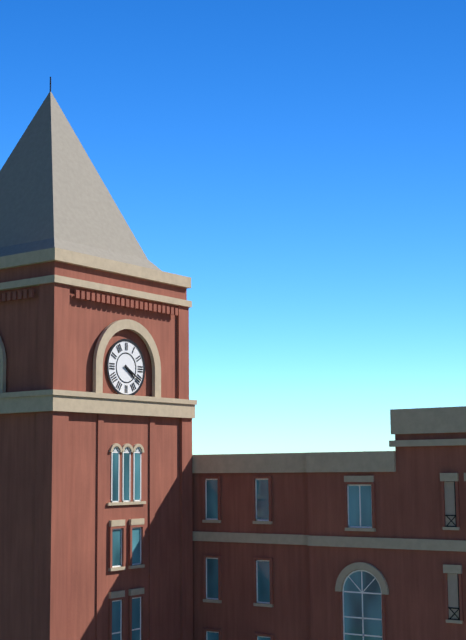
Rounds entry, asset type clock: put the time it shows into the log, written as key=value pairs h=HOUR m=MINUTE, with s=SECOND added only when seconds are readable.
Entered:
h=4 m=20
